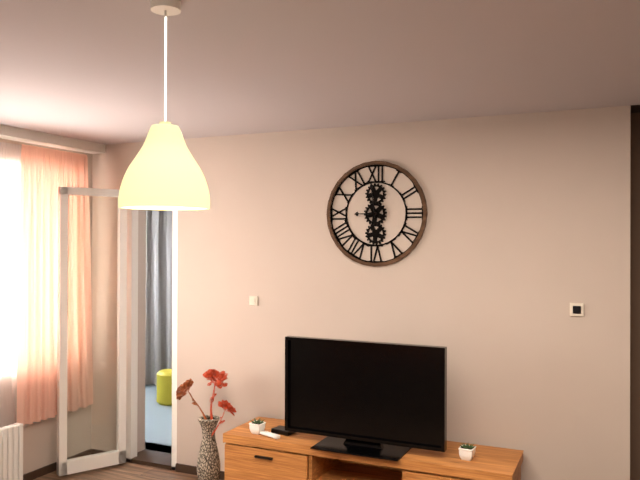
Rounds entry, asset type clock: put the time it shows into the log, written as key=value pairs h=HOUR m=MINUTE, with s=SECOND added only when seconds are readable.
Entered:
h=8 m=59
